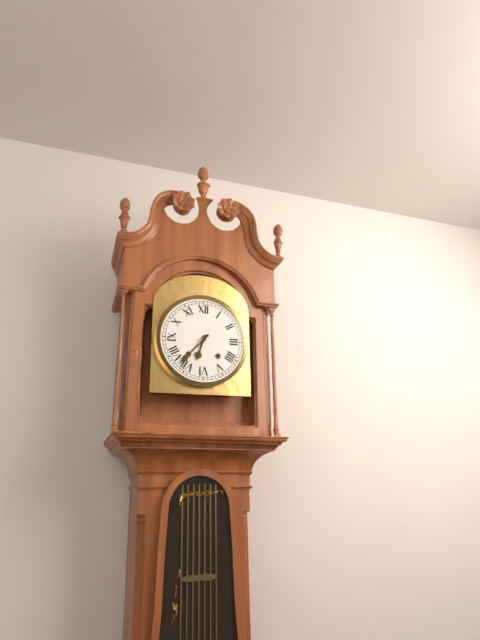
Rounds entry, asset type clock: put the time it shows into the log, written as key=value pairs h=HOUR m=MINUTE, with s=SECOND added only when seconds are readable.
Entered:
h=6 m=37
